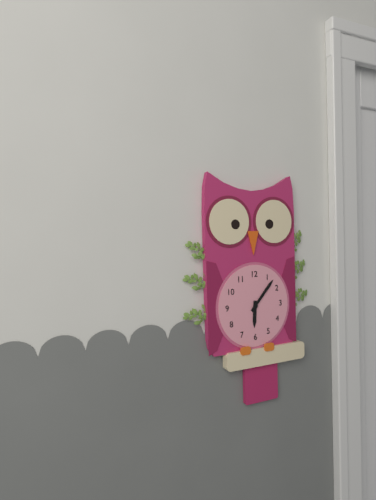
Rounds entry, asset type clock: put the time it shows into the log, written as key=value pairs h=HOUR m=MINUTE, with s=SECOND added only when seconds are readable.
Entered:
h=6 m=7
